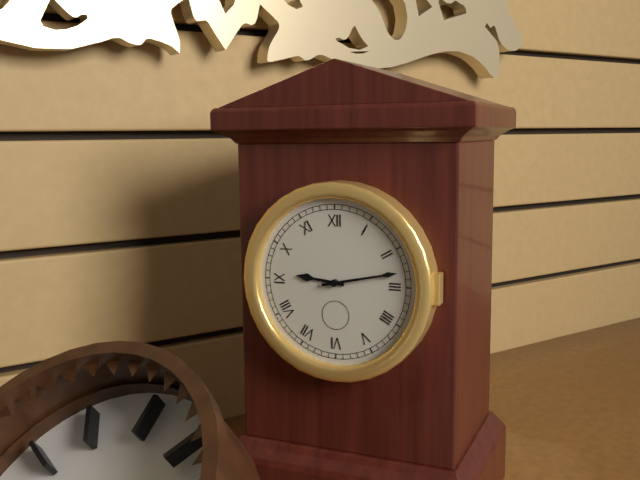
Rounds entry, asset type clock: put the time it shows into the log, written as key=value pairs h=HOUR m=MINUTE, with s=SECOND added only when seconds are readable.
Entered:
h=9 m=13
